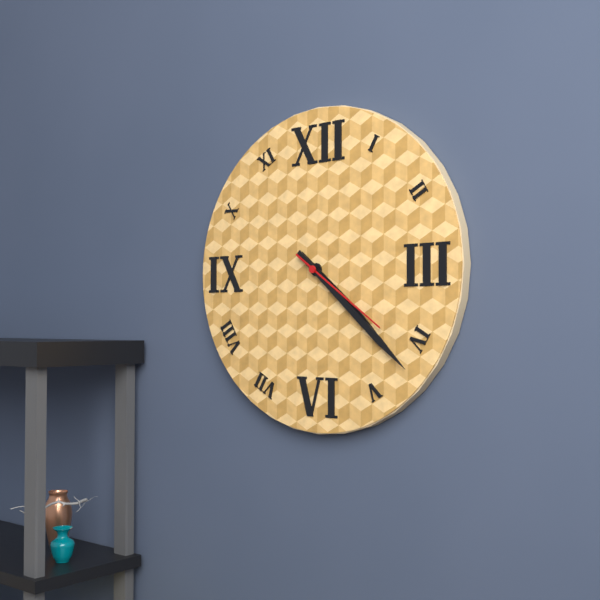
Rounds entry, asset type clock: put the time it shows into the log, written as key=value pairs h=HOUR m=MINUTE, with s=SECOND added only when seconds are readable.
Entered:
h=4 m=22 s=21
